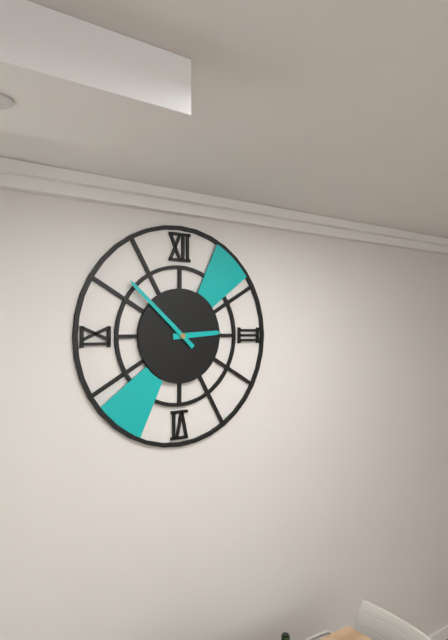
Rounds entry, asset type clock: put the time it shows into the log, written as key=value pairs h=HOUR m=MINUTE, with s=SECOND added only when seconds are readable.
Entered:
h=2 m=52
